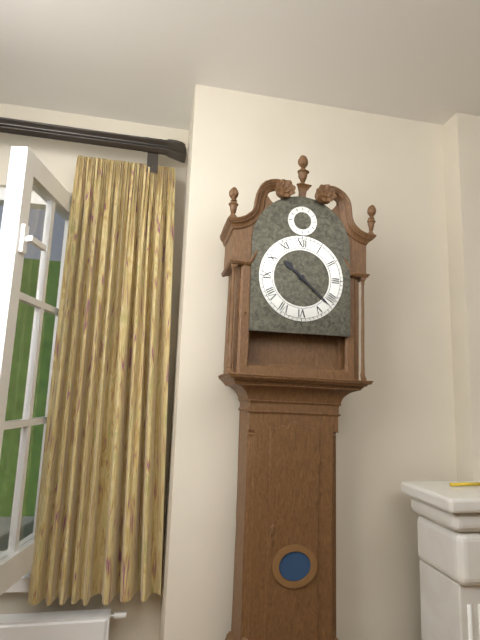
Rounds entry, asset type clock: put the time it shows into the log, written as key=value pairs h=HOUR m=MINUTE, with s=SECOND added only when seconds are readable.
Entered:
h=10 m=22
